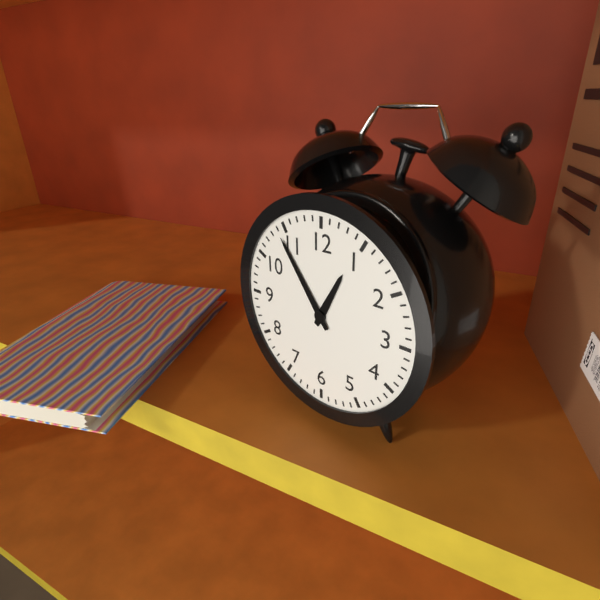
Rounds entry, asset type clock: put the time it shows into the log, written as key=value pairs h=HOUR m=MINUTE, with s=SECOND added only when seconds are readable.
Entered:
h=12 m=54
